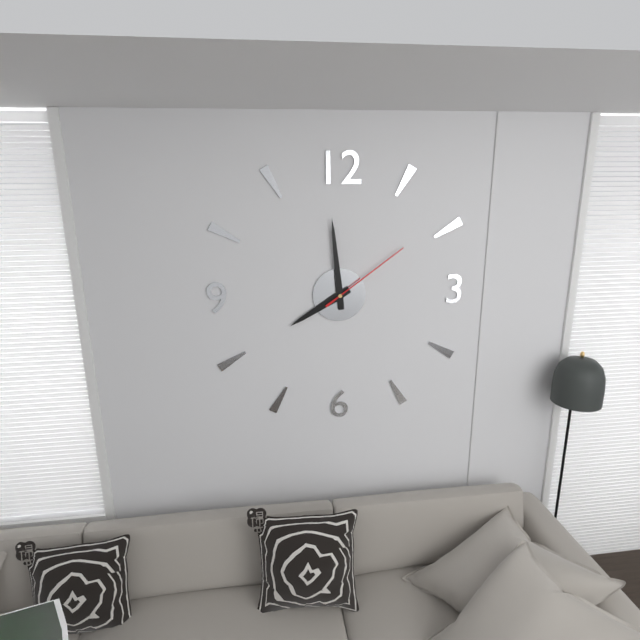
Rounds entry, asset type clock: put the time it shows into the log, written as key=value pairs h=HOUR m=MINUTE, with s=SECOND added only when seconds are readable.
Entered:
h=7 m=59 s=9
